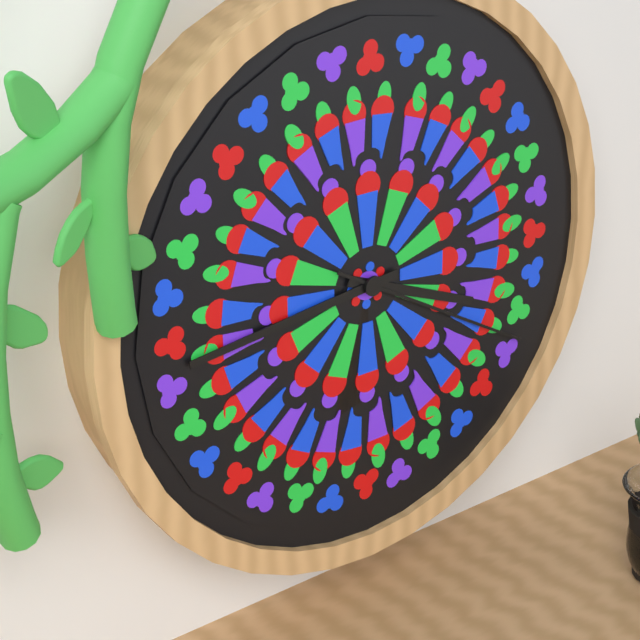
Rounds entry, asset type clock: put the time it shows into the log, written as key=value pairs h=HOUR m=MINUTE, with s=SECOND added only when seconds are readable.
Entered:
h=3 m=44 s=20
